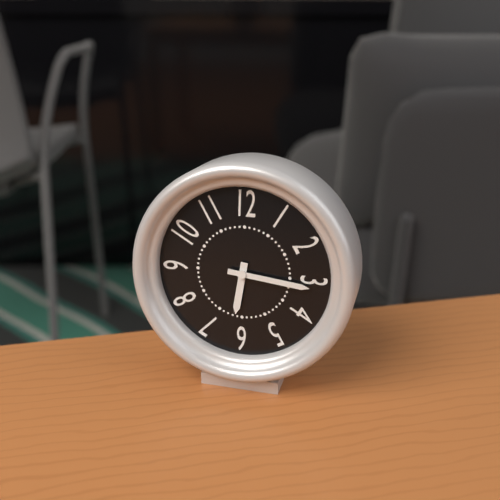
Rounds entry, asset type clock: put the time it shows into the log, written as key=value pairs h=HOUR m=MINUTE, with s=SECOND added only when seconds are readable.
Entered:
h=6 m=16
